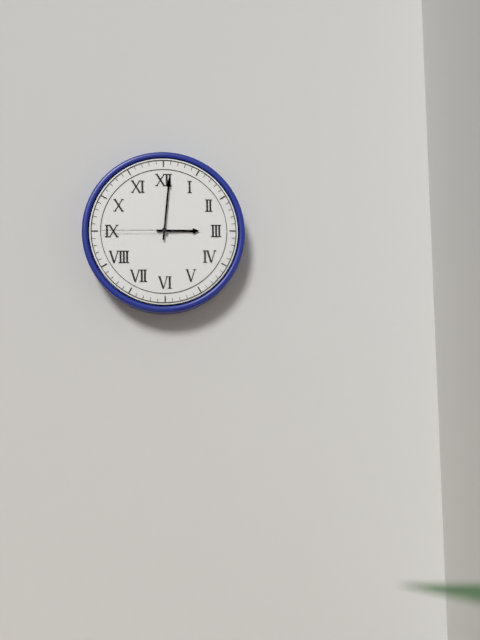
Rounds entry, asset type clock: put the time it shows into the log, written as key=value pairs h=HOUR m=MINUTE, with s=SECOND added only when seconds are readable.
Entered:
h=3 m=1 s=45
